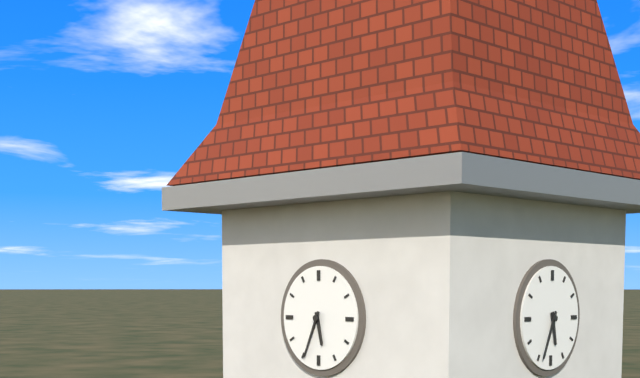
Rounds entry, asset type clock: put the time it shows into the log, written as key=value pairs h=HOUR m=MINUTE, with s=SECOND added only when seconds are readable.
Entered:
h=5 m=34
